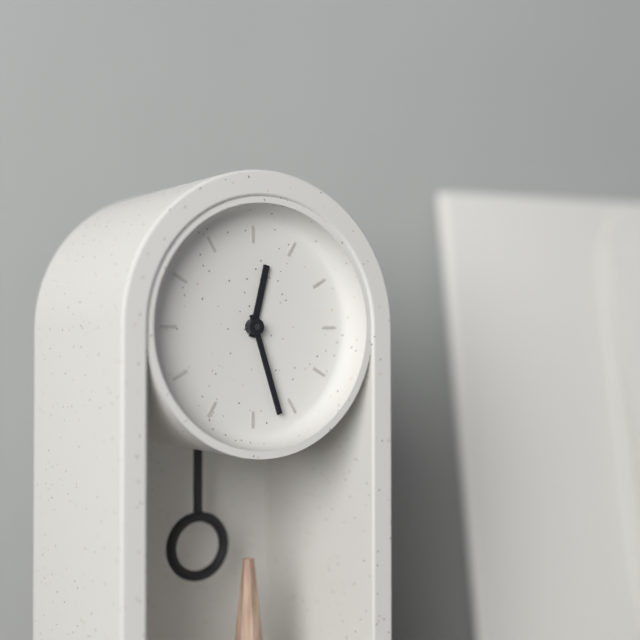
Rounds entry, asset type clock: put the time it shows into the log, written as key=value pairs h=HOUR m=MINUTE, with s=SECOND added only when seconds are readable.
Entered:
h=12 m=27
